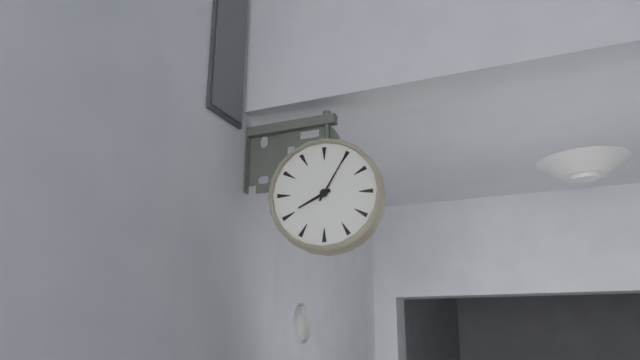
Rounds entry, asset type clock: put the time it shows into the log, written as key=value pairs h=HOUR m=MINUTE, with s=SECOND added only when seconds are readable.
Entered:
h=8 m=5
